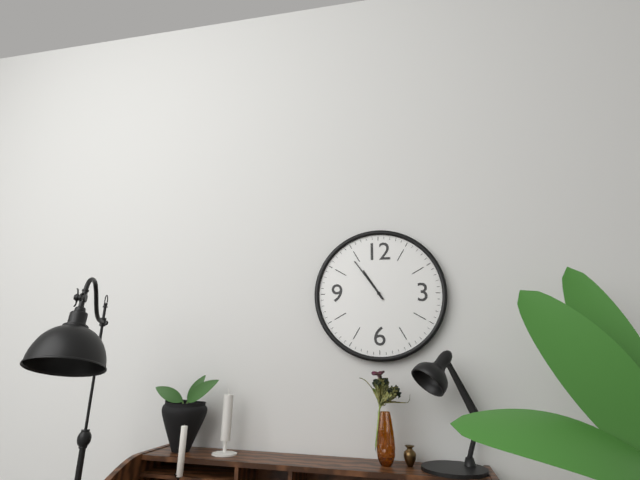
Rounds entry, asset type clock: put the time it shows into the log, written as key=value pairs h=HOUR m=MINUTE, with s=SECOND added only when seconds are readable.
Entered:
h=10 m=54
